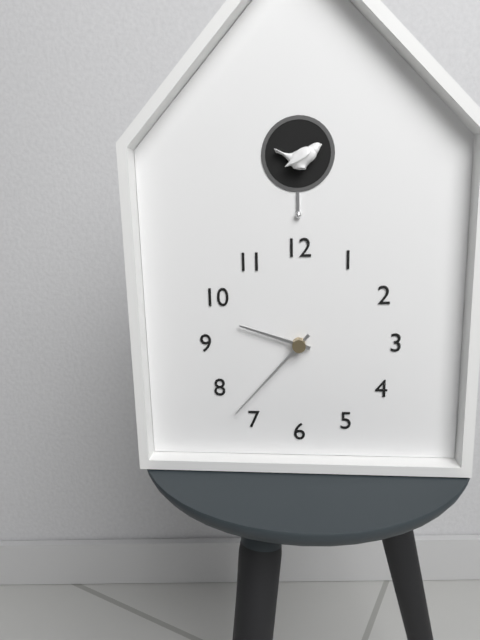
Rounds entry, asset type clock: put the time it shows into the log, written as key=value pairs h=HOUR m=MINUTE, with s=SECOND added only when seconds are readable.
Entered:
h=9 m=37
